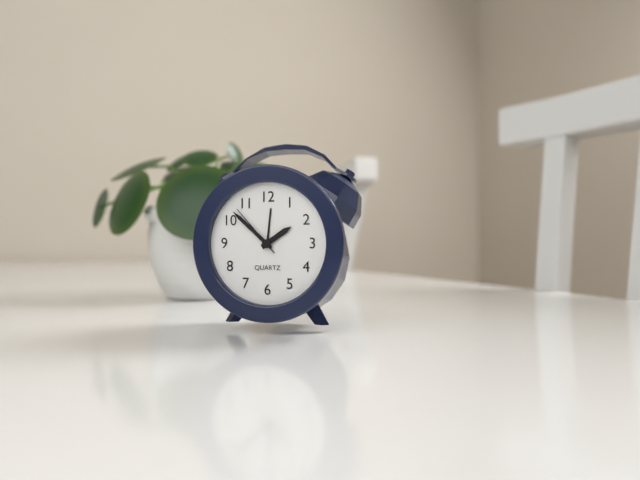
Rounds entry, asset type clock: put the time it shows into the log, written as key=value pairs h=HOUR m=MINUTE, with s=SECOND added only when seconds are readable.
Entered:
h=1 m=52 s=53
